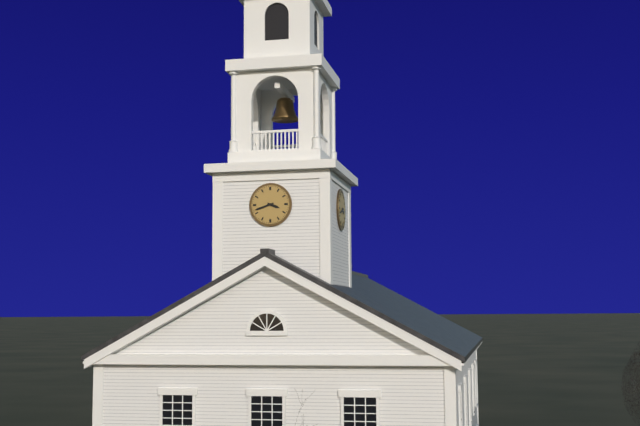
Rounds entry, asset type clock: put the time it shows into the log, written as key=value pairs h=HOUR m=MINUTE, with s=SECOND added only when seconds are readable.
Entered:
h=3 m=42
